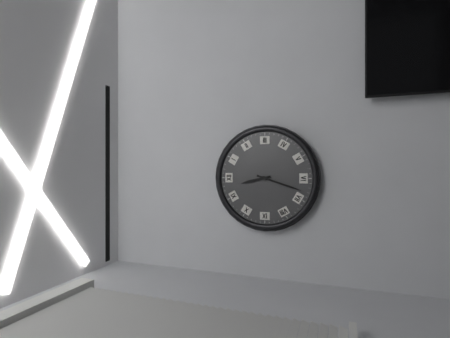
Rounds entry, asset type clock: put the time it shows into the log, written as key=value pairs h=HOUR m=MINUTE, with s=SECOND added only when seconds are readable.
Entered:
h=11 m=33
